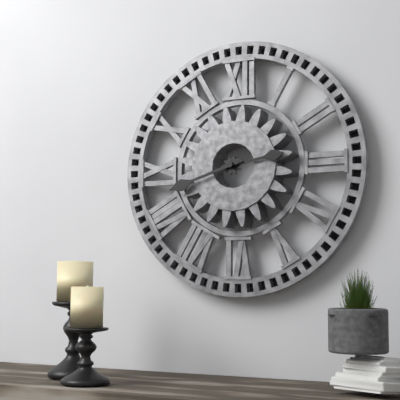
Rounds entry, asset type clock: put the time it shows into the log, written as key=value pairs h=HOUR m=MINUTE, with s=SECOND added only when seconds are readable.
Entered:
h=2 m=42
